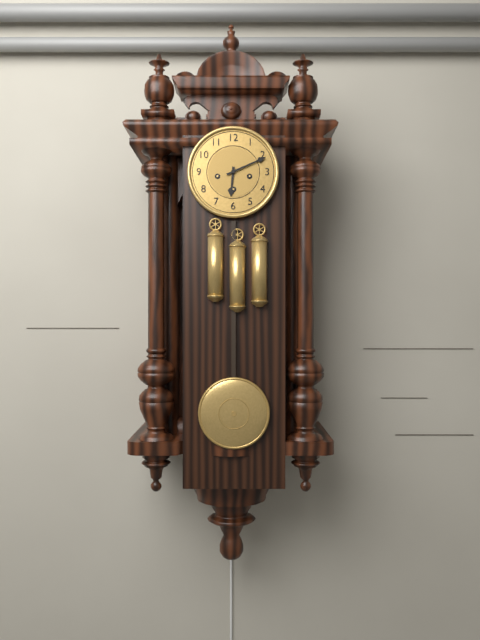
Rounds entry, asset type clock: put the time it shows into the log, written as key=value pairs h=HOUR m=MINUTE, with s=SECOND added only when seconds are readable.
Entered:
h=6 m=11
